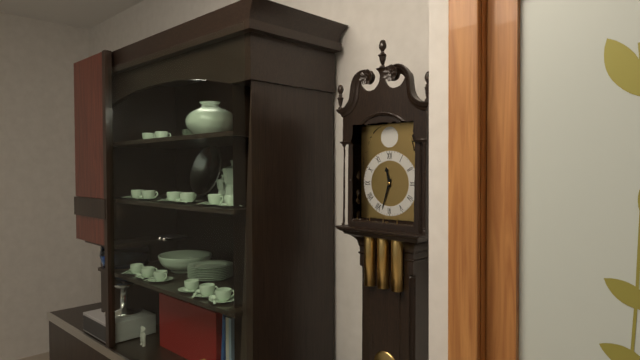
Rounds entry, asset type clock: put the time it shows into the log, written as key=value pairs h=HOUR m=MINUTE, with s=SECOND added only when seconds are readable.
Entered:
h=11 m=33
